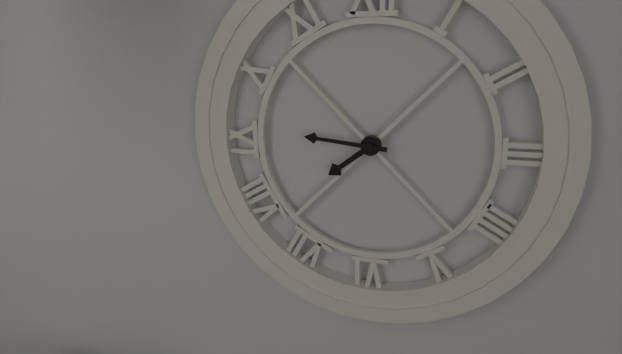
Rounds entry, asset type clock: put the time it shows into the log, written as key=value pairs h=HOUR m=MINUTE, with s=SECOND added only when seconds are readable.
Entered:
h=7 m=46
